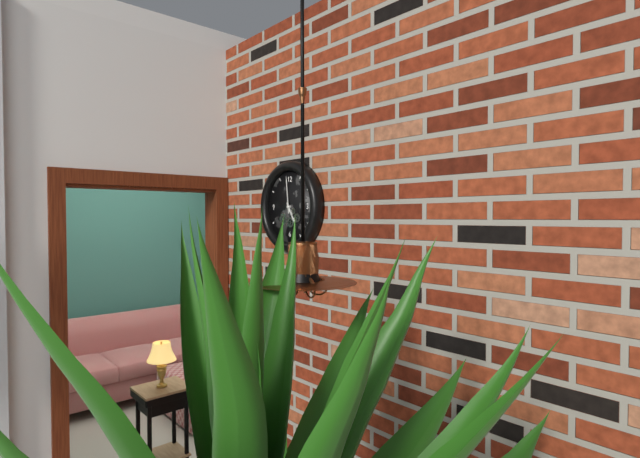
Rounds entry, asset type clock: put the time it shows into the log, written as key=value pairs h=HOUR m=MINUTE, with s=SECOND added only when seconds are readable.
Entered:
h=4 m=59
